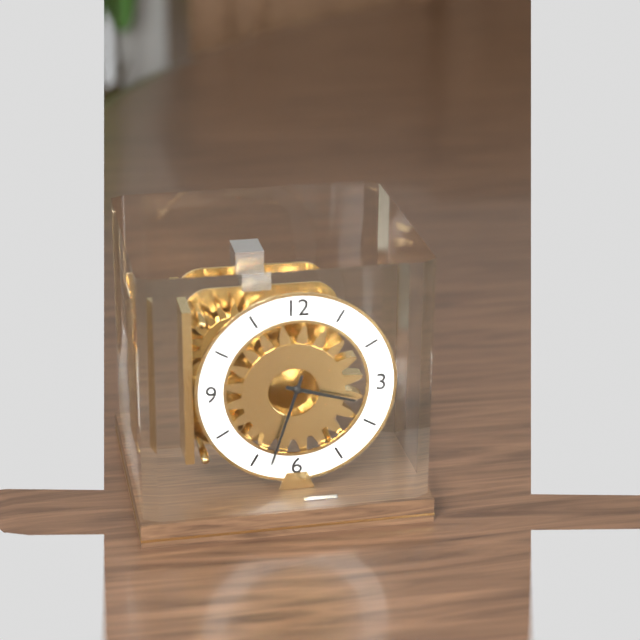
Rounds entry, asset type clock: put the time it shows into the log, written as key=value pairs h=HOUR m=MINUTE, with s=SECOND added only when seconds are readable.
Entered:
h=3 m=33
